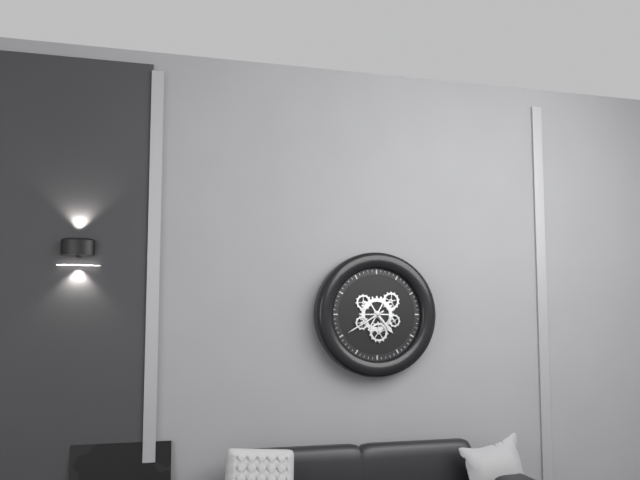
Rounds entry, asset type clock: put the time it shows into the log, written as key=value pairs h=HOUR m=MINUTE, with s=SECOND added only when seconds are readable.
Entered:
h=4 m=40
